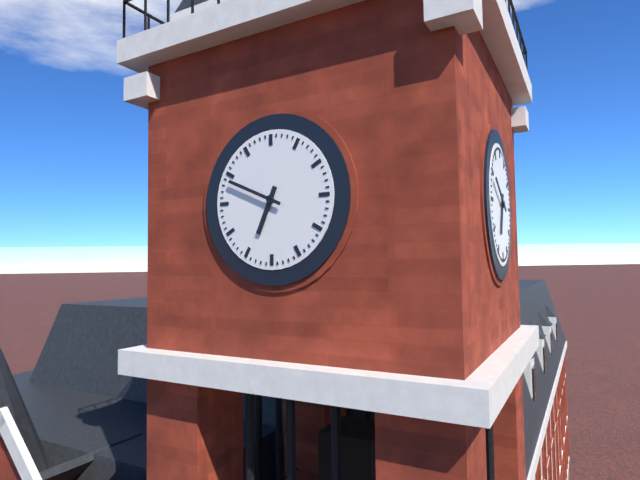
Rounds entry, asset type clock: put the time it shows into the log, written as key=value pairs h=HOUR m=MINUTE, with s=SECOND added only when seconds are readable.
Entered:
h=6 m=49
